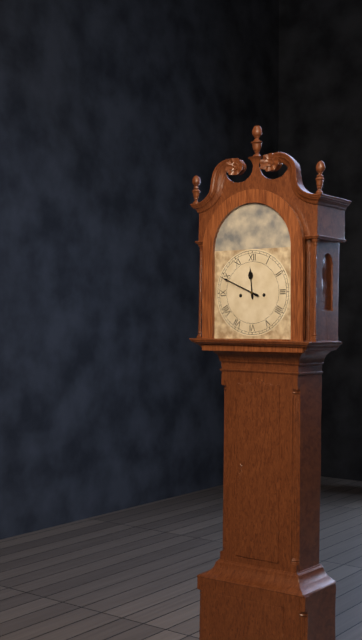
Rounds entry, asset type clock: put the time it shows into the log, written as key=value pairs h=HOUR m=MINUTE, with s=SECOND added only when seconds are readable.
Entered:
h=11 m=49
